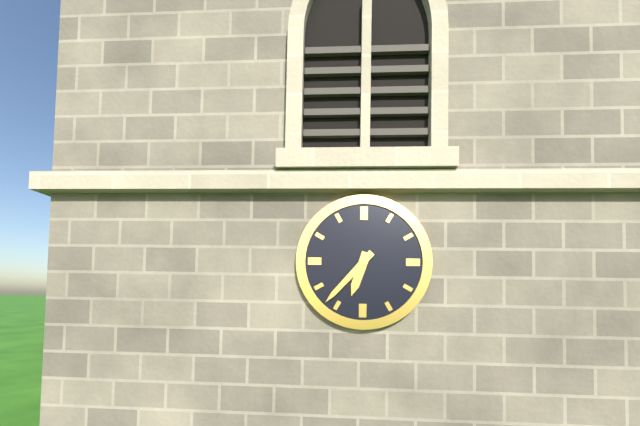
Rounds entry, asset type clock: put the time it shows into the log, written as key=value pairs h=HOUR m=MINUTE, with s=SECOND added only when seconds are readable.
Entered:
h=6 m=37
